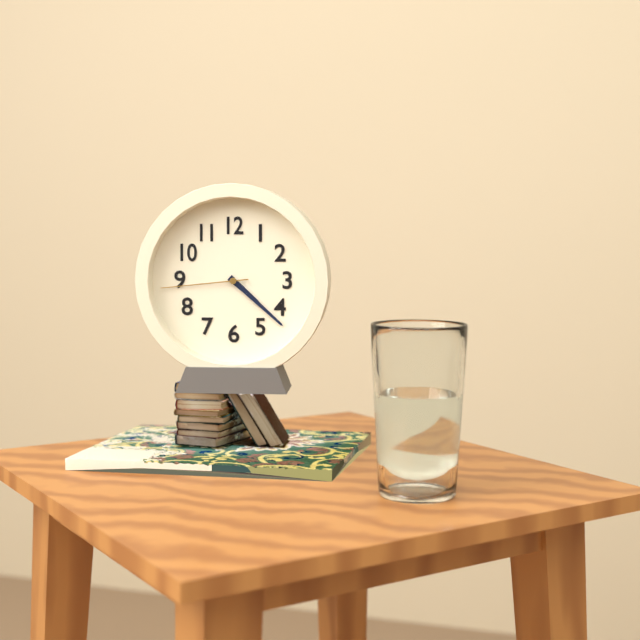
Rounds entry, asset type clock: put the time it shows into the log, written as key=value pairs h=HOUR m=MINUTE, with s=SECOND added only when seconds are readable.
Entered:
h=4 m=22 s=44
